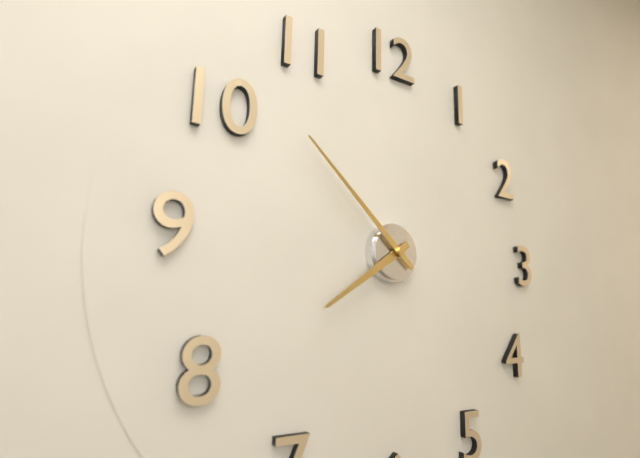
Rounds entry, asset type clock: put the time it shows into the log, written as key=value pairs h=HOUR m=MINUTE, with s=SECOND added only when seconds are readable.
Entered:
h=7 m=52
